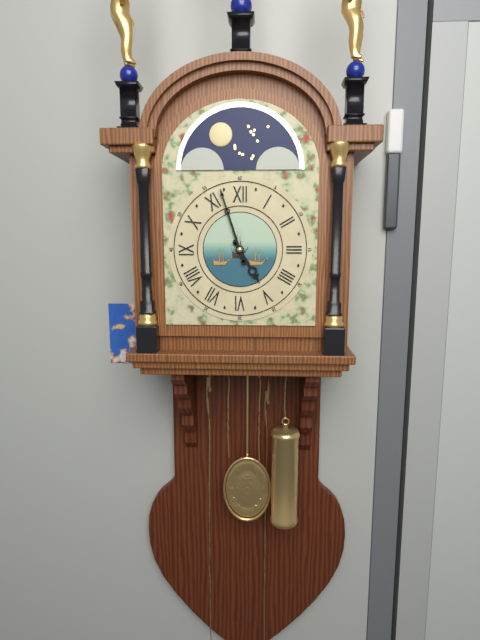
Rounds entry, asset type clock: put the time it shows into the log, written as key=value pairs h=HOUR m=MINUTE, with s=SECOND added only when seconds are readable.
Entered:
h=4 m=57
